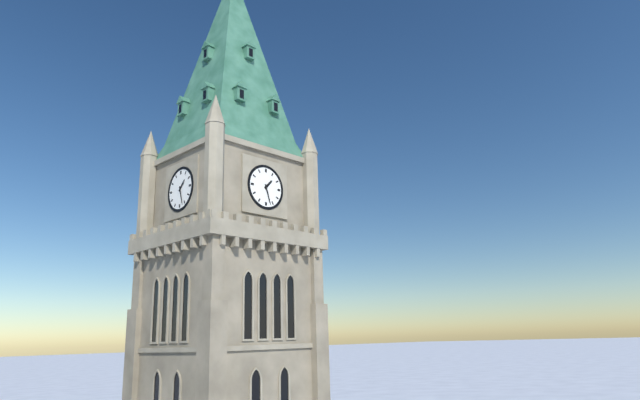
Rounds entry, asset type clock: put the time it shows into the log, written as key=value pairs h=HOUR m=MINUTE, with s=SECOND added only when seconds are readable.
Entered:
h=1 m=27
